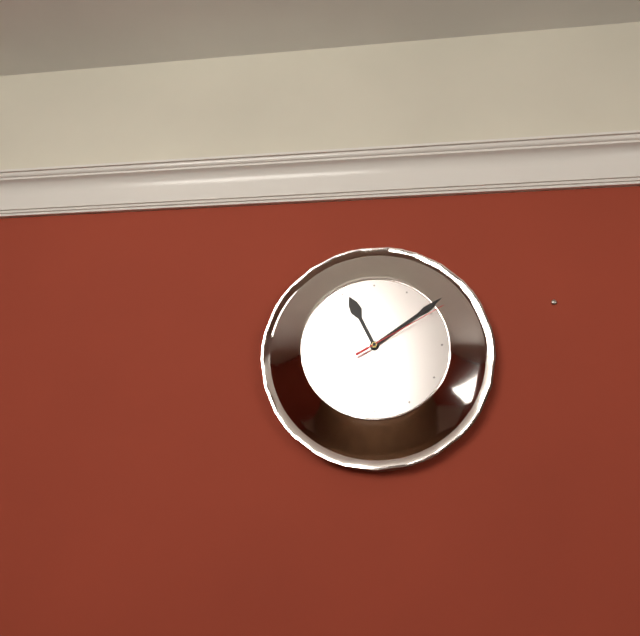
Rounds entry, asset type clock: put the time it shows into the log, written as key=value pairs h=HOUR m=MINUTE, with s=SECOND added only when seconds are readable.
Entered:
h=11 m=9 s=10
